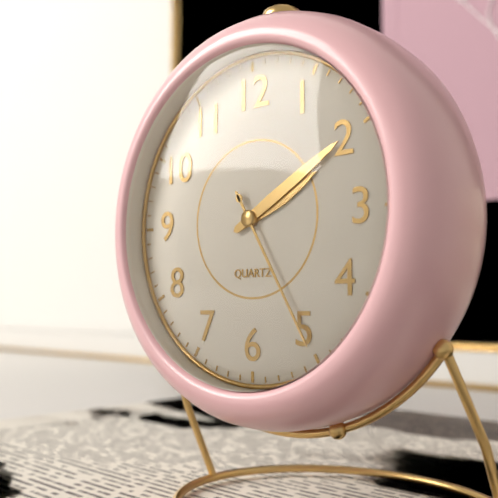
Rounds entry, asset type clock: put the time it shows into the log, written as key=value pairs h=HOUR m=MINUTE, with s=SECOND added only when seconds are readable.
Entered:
h=2 m=10 s=25
